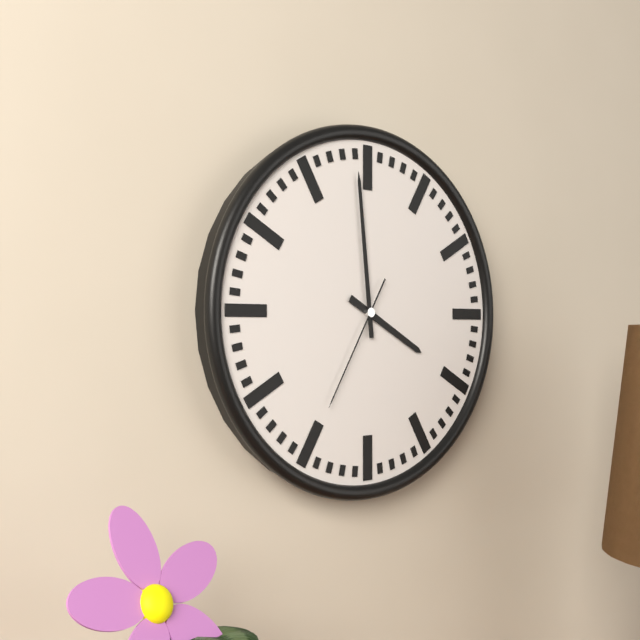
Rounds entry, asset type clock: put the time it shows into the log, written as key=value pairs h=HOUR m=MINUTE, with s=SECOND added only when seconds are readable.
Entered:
h=3 m=59 s=35
